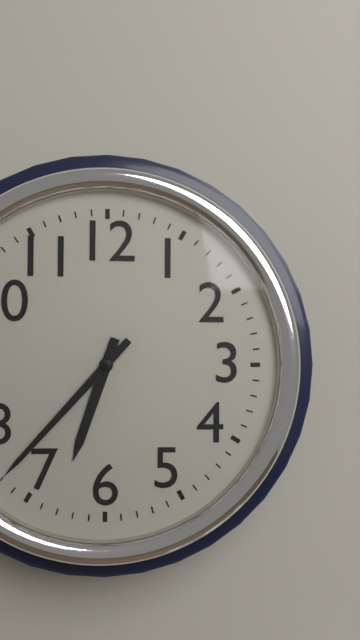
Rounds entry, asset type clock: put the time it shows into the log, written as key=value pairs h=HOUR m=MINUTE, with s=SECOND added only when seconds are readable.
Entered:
h=6 m=37
